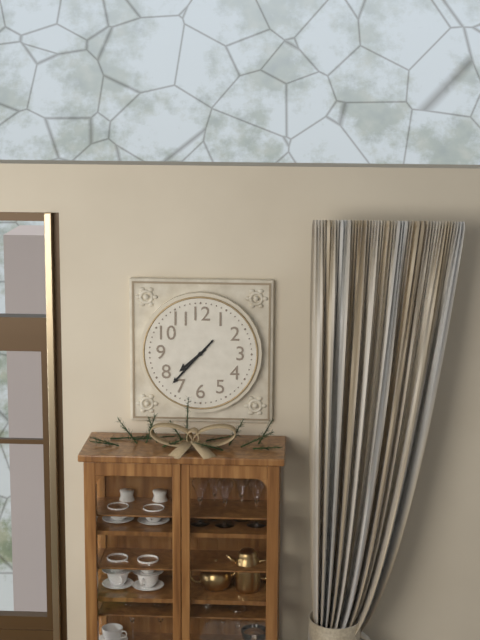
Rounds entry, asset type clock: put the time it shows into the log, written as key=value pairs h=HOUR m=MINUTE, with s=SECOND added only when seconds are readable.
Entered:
h=7 m=37
